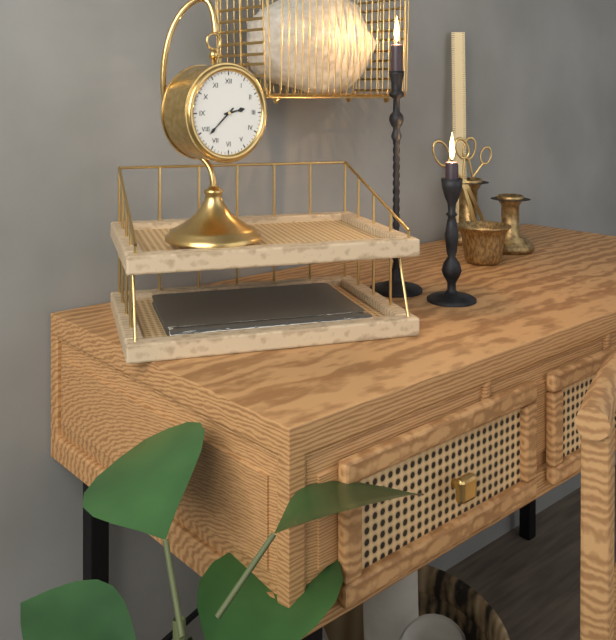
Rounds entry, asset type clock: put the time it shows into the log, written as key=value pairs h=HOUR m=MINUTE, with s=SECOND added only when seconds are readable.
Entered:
h=2 m=38
